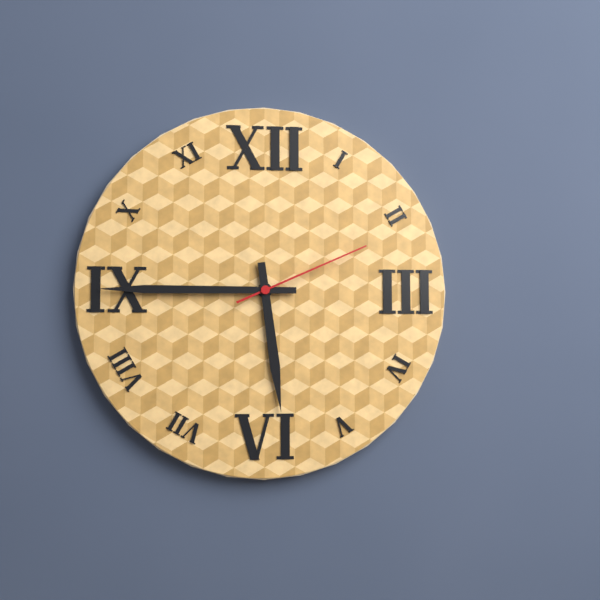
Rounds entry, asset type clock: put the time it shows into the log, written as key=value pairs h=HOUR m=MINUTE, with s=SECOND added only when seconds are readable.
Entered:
h=5 m=45 s=11
